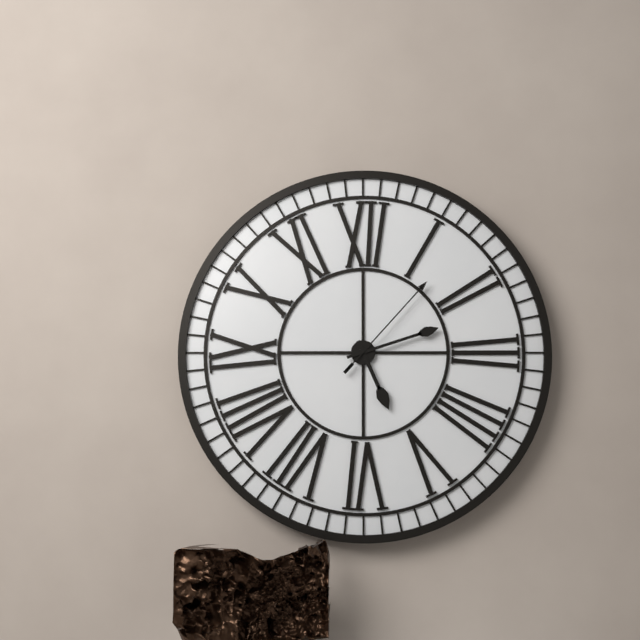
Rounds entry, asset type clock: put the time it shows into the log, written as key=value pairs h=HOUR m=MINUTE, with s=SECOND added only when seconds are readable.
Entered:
h=5 m=12 s=7
